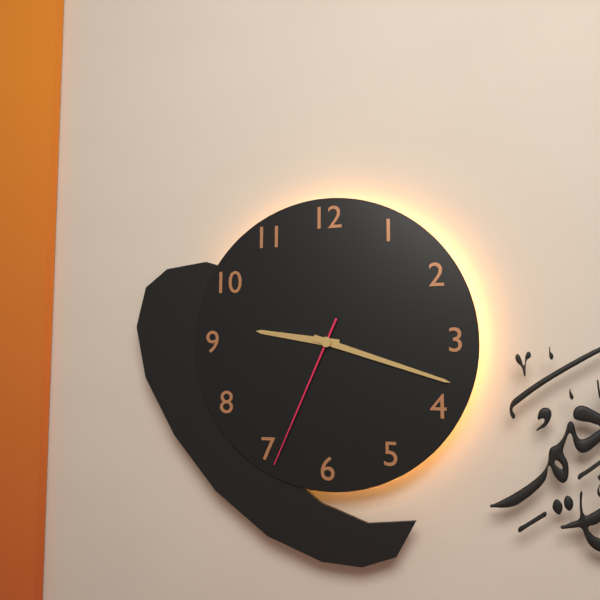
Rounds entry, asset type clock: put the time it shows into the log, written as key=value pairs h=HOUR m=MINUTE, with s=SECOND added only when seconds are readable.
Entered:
h=9 m=18 s=34
